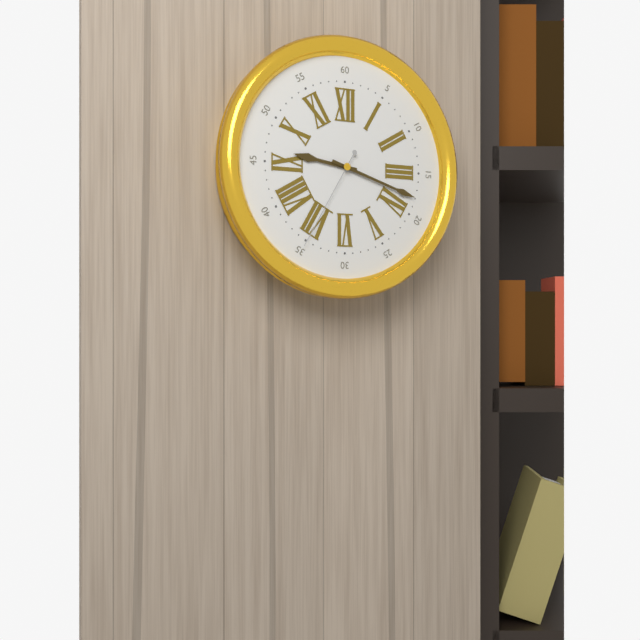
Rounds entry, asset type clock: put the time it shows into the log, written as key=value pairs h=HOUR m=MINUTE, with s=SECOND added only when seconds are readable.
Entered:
h=9 m=18 s=35
